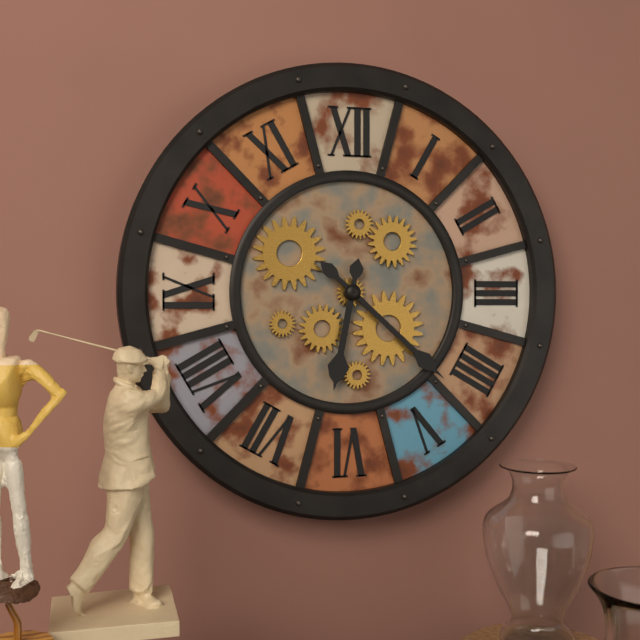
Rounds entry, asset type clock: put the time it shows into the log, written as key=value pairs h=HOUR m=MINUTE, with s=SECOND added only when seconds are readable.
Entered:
h=6 m=22
